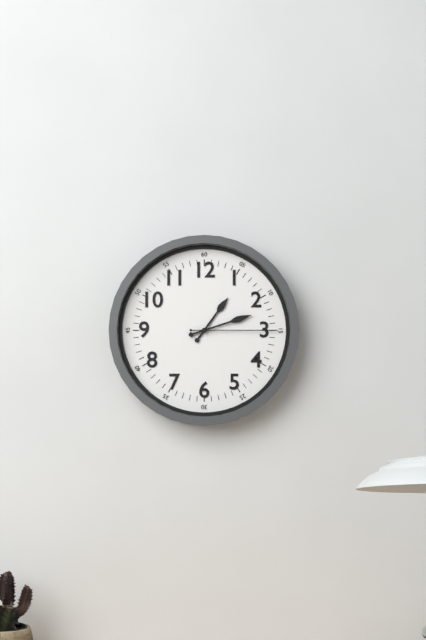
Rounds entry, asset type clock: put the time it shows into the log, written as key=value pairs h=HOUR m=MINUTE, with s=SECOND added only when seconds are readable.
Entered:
h=1 m=12 s=15
